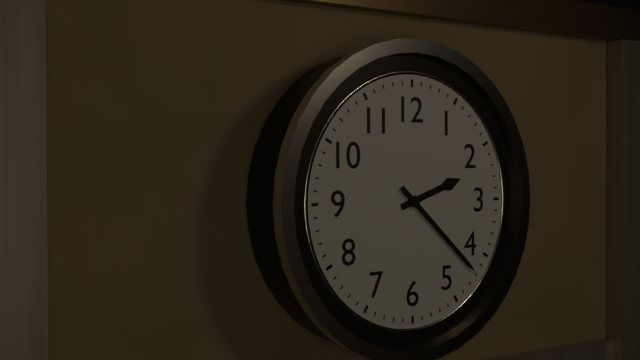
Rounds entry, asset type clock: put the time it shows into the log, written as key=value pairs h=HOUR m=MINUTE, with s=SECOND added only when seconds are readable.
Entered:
h=2 m=22
